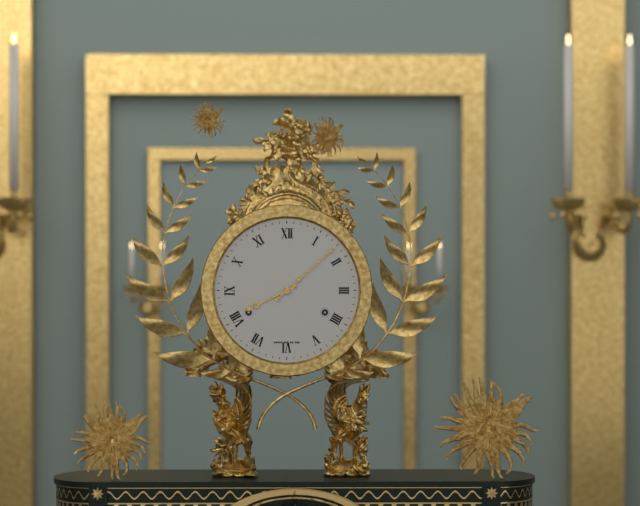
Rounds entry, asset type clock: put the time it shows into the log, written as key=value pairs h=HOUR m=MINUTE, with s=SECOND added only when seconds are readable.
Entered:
h=8 m=8
